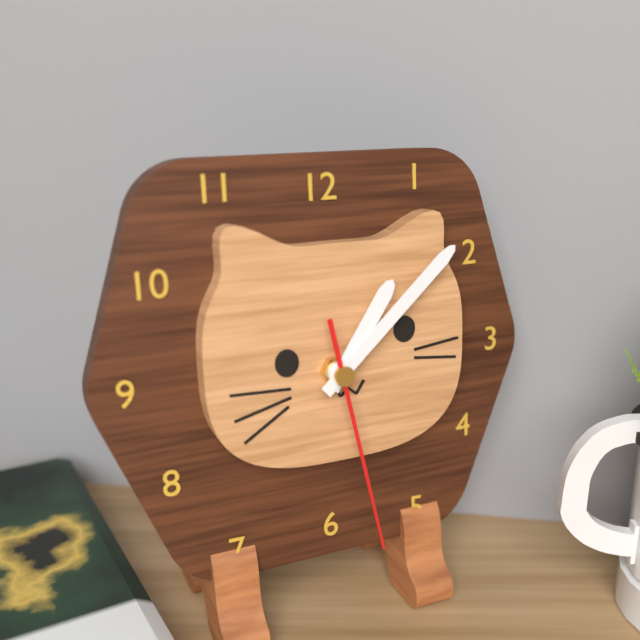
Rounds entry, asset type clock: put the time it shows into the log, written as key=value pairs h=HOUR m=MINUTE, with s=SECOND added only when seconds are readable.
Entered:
h=1 m=8 s=28
